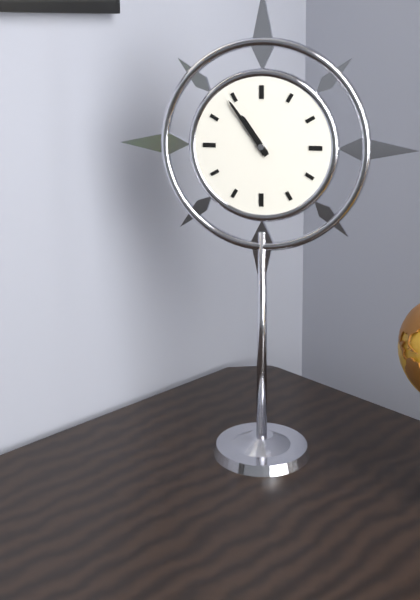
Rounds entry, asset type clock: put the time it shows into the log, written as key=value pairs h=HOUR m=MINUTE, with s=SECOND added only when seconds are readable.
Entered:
h=10 m=54
